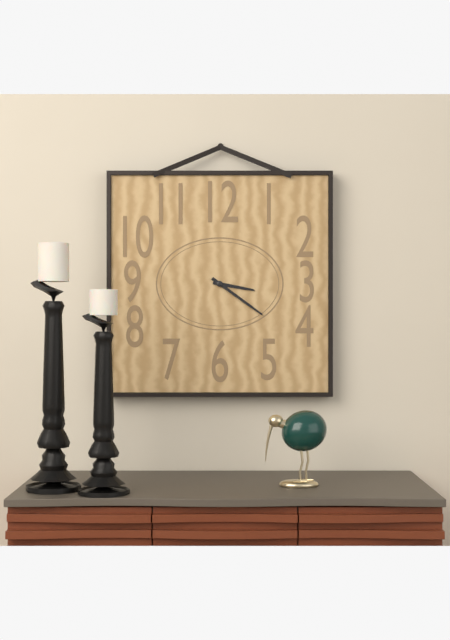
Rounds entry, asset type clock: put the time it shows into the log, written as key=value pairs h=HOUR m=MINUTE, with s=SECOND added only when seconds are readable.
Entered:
h=3 m=21
